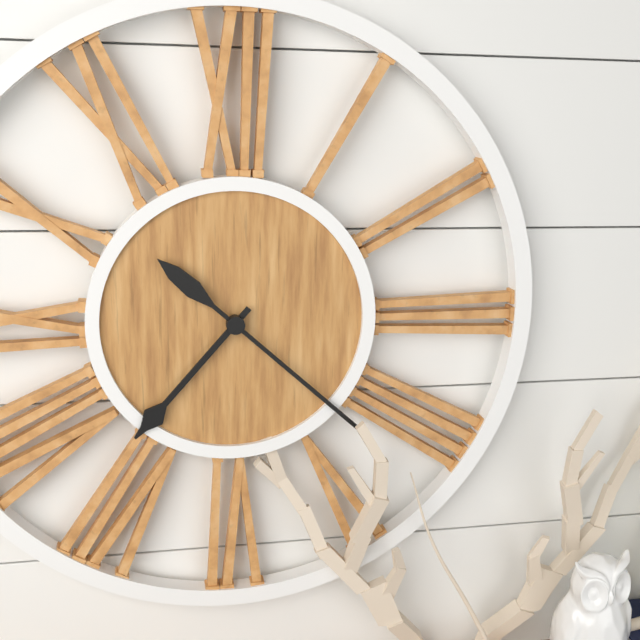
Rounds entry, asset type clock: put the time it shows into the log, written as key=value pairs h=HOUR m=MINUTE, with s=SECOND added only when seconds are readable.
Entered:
h=7 m=22
